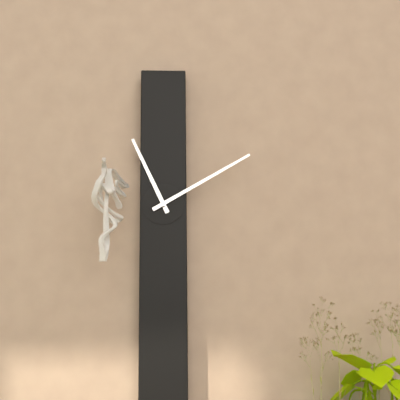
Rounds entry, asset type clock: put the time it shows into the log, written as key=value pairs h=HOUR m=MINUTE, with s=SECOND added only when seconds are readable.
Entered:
h=11 m=10
